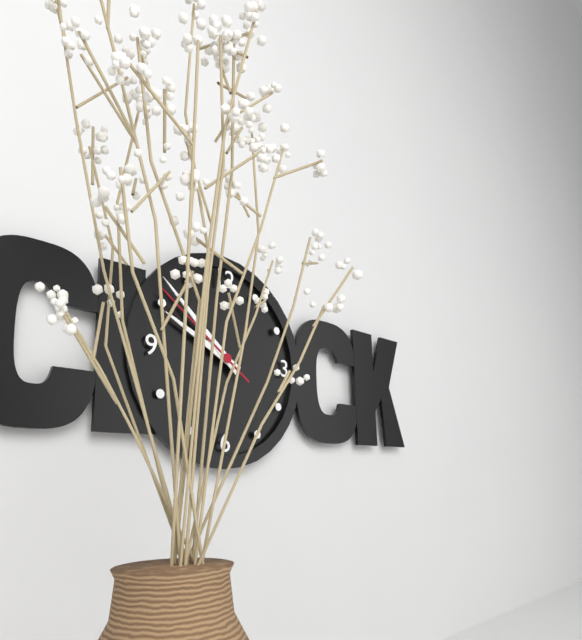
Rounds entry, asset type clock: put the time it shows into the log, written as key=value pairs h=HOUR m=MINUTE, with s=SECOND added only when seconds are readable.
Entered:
h=9 m=52 s=51
